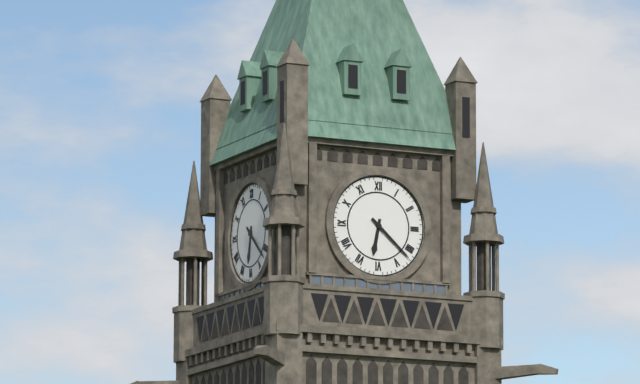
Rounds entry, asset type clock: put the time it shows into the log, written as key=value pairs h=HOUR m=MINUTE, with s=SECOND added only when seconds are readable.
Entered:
h=6 m=22
